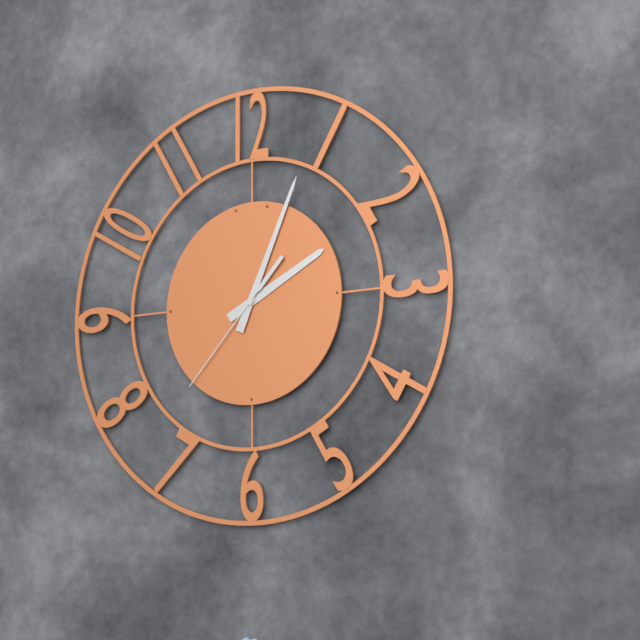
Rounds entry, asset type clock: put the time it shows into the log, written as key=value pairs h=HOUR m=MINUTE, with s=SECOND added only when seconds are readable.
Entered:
h=2 m=4 s=37
